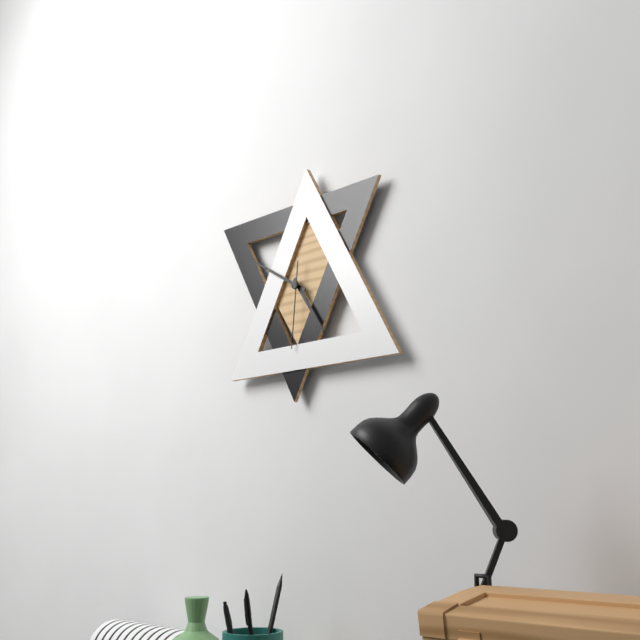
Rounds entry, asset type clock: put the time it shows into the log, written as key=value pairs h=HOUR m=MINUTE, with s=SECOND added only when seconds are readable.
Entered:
h=4 m=50 s=31
